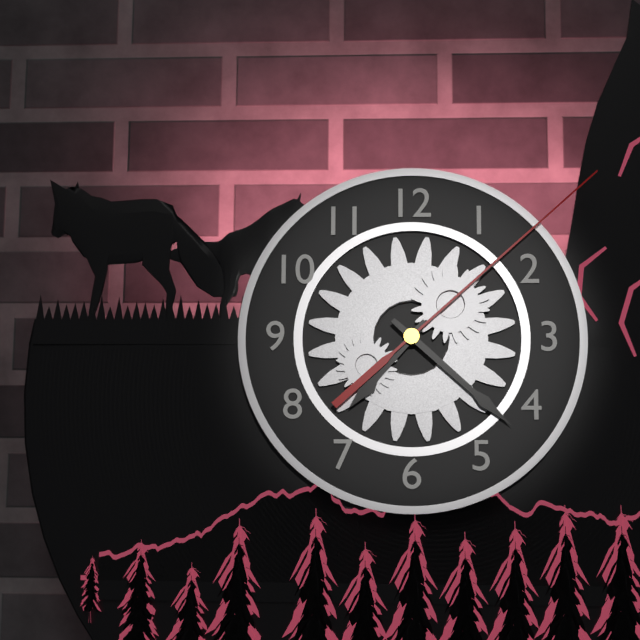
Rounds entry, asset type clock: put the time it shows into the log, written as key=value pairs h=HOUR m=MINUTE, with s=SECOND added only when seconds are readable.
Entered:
h=7 m=22 s=8
